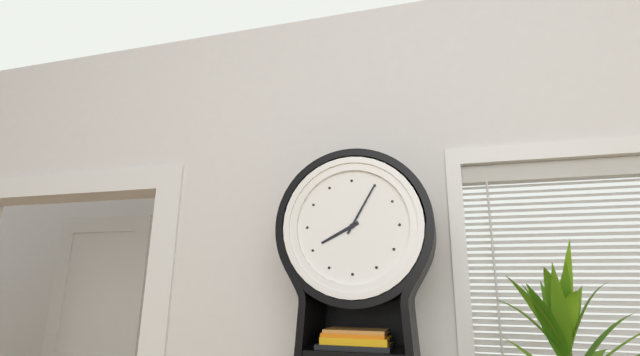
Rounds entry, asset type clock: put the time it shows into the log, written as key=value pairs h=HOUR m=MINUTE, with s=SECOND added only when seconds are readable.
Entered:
h=8 m=5
